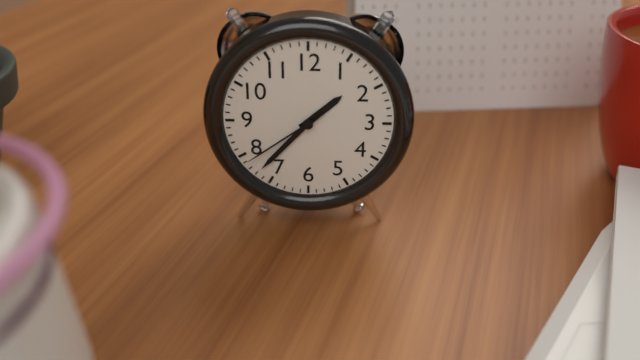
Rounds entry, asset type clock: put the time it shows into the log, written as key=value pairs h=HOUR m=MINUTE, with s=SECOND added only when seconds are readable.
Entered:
h=1 m=37 s=39
